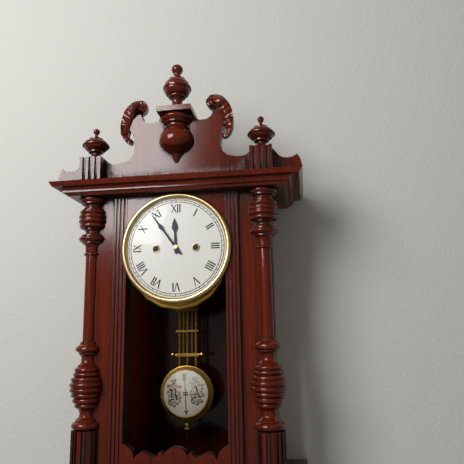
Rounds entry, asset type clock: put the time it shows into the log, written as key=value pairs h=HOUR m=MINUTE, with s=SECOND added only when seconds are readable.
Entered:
h=11 m=54
